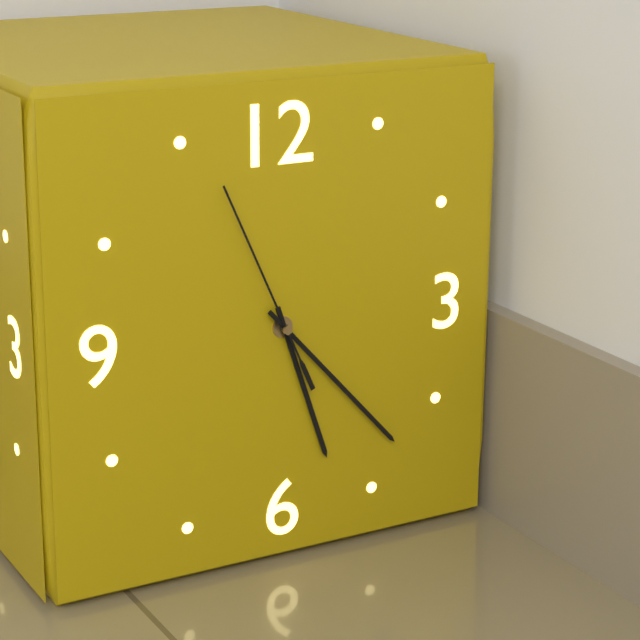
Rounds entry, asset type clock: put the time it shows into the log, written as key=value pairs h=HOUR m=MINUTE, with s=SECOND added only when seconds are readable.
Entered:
h=5 m=23 s=56
